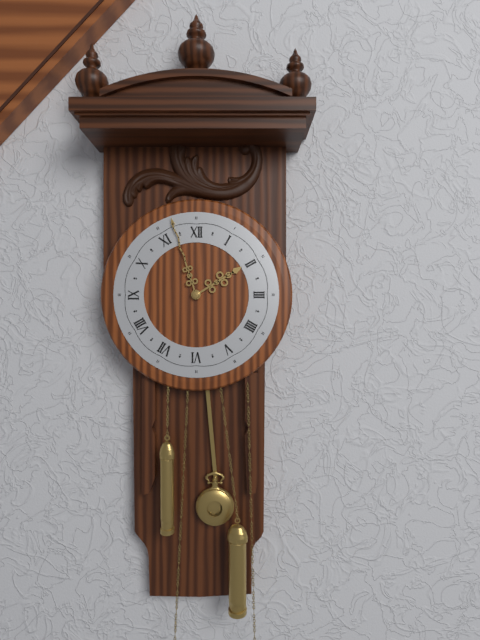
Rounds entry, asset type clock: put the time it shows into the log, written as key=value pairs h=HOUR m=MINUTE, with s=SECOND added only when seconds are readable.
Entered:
h=1 m=57
